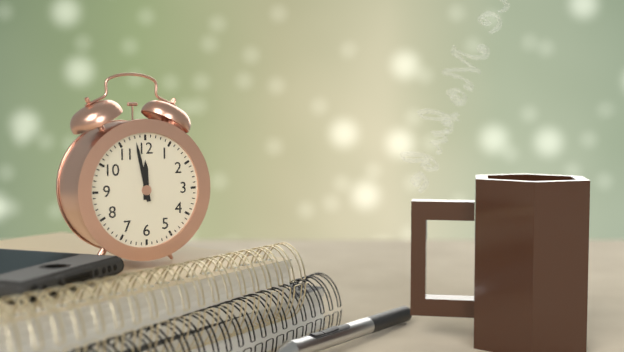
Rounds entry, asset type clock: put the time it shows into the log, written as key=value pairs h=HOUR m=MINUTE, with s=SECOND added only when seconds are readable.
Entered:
h=11 m=58
